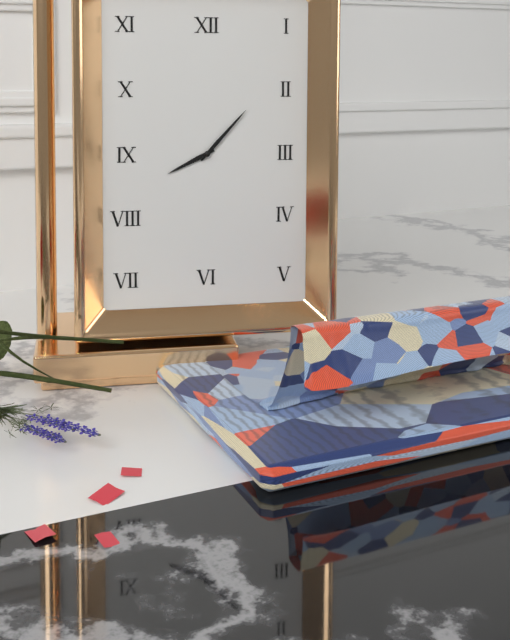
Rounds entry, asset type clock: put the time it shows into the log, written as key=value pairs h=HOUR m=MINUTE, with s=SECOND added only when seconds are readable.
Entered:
h=8 m=7
